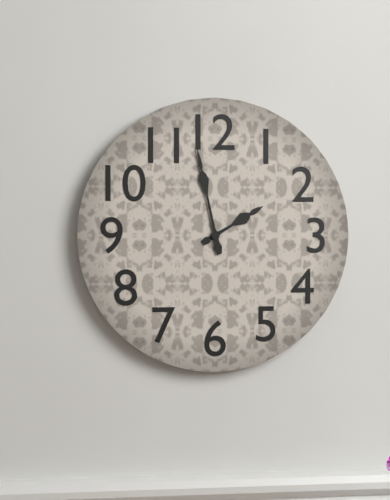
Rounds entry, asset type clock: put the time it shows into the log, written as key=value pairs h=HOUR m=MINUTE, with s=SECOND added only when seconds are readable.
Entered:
h=1 m=58
